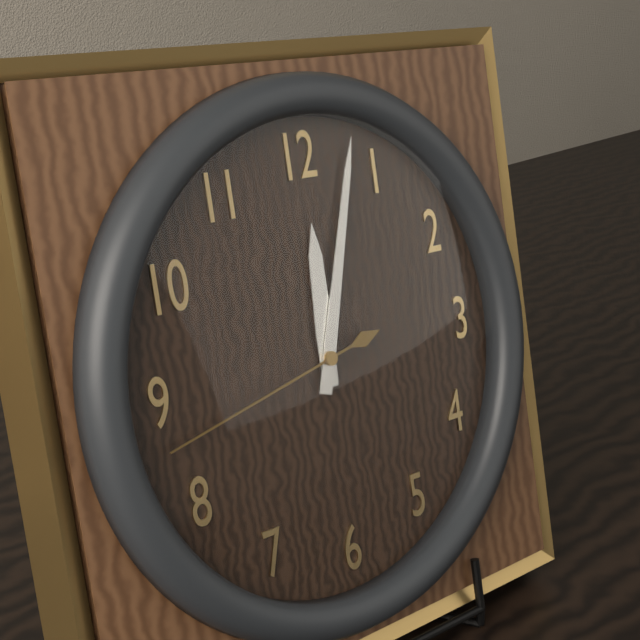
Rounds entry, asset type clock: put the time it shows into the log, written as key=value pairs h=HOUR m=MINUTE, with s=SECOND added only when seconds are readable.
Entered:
h=12 m=3 s=43
